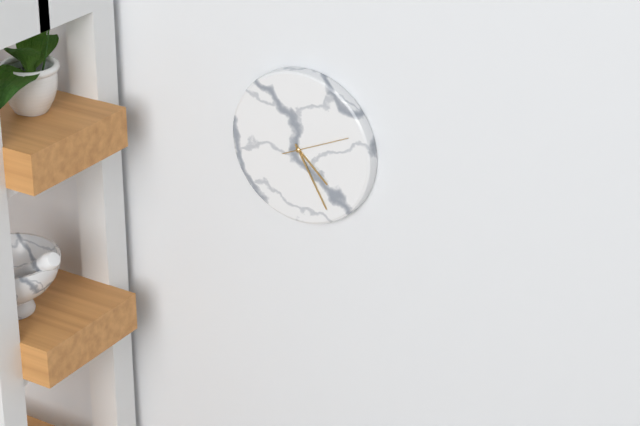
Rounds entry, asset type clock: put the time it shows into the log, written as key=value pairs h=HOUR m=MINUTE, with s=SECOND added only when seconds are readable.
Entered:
h=4 m=25 s=11
